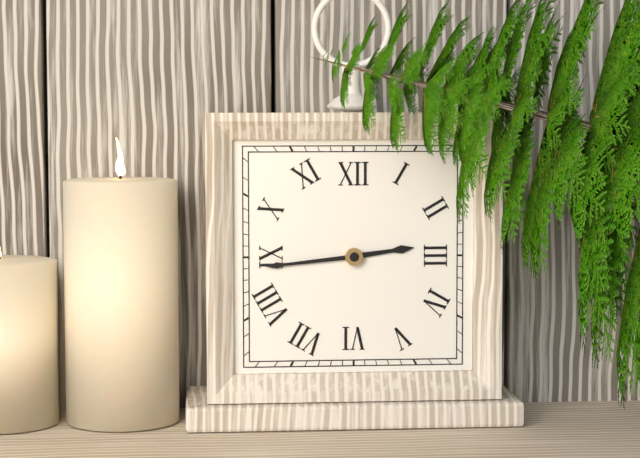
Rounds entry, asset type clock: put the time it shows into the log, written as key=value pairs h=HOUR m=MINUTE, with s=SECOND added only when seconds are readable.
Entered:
h=2 m=44
